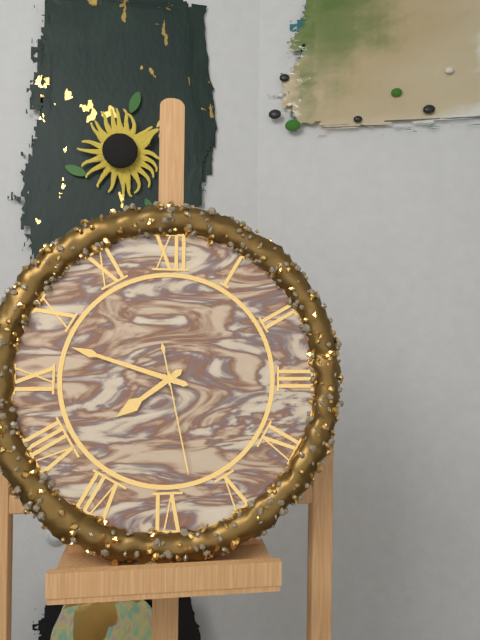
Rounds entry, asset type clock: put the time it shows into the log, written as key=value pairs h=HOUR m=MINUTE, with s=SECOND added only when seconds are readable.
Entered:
h=7 m=48 s=28
